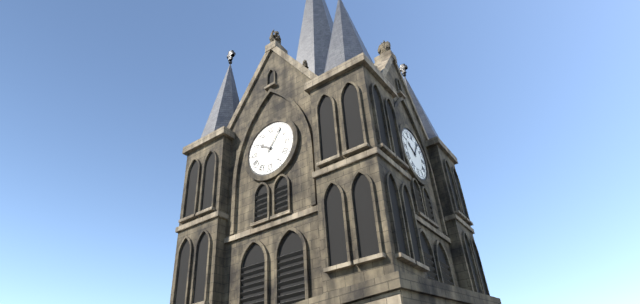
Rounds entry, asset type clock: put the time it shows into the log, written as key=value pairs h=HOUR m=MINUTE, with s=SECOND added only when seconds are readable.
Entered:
h=10 m=6
